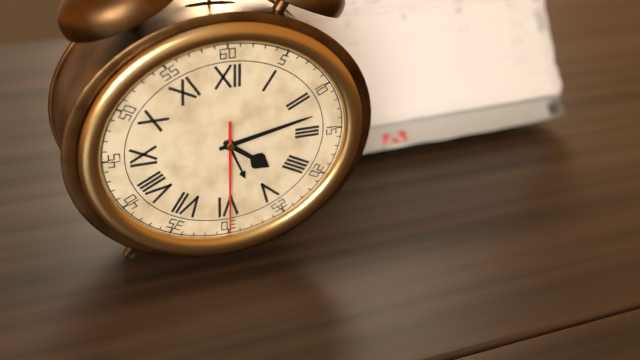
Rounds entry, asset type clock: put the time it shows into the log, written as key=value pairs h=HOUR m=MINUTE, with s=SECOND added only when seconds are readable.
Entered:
h=4 m=13 s=30
